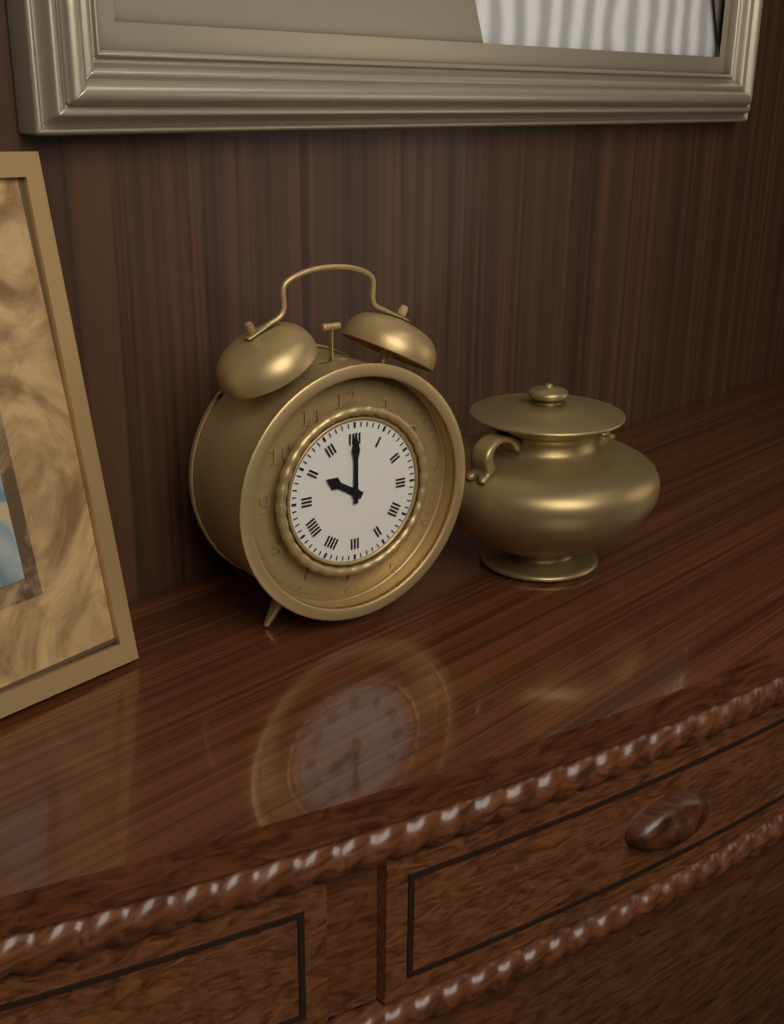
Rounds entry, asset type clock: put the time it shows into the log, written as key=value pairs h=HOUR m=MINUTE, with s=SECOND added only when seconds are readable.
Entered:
h=10 m=0
